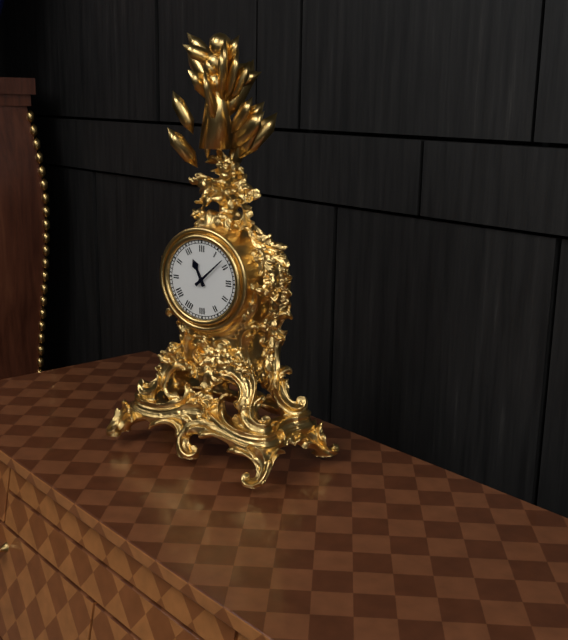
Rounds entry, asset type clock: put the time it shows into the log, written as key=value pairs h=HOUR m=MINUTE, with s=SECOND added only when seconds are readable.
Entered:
h=11 m=8
